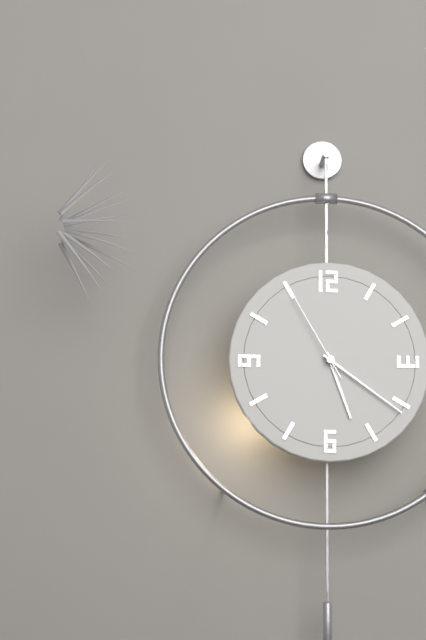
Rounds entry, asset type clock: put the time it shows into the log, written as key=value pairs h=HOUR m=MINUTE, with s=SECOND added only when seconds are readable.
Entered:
h=5 m=21 s=55
